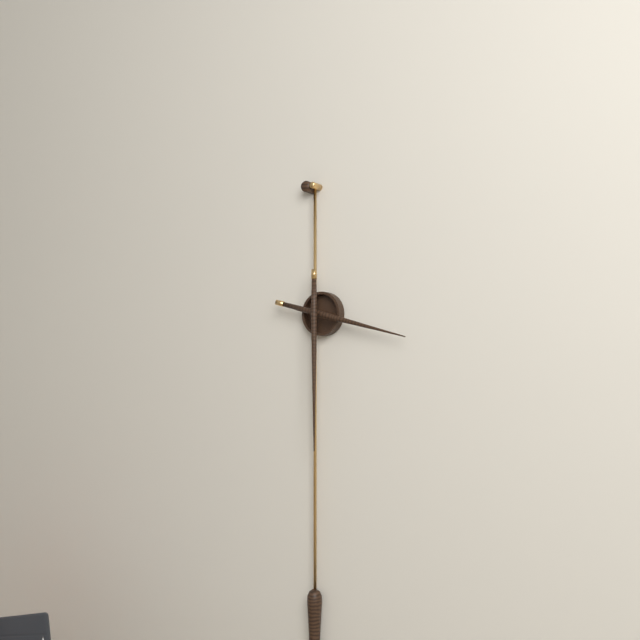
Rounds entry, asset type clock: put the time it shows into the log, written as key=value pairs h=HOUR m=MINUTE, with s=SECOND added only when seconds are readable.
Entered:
h=3 m=30
